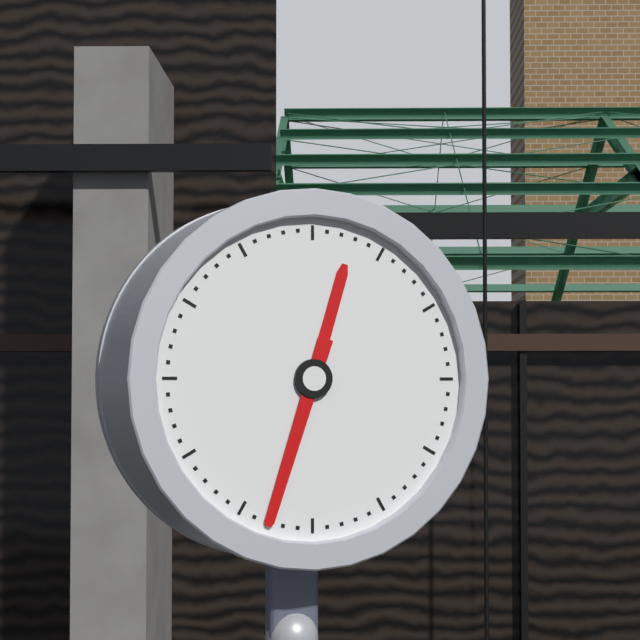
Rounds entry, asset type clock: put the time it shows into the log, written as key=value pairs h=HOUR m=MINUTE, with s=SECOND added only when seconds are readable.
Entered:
h=12 m=33
